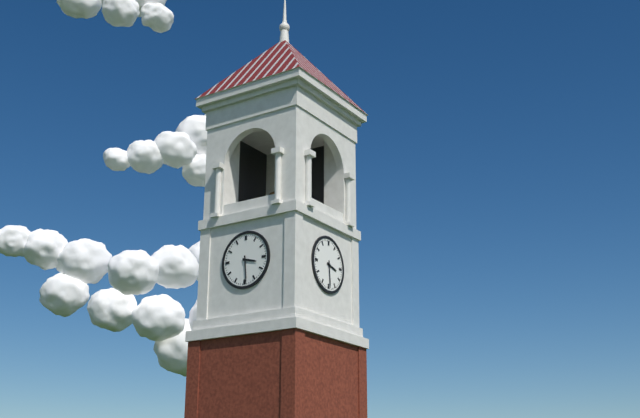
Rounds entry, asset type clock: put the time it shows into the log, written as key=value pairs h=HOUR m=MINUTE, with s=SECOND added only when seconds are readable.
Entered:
h=3 m=29
